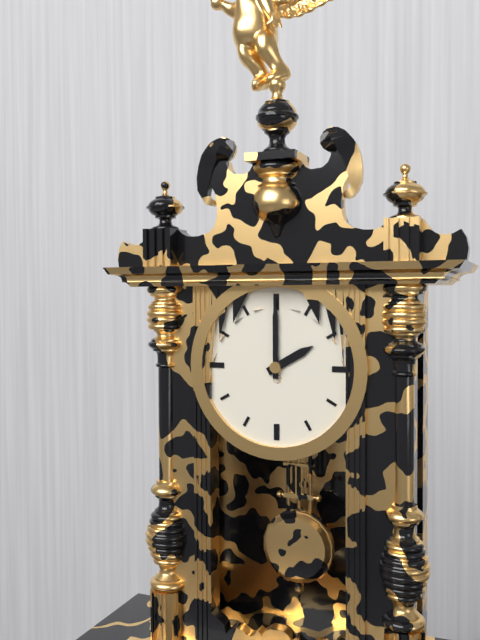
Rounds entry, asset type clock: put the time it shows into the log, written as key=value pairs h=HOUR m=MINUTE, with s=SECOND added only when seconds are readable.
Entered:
h=2 m=0
